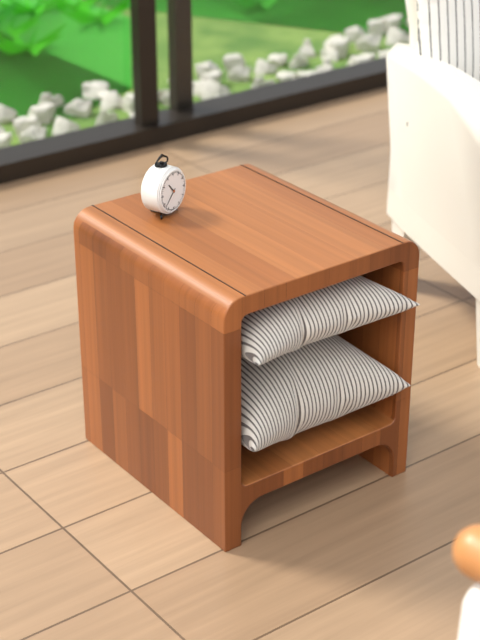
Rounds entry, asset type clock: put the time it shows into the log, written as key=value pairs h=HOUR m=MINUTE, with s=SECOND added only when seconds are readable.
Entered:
h=10 m=38
